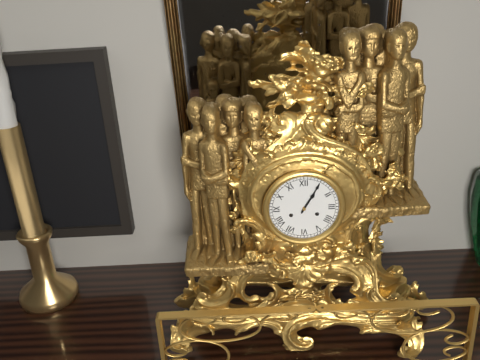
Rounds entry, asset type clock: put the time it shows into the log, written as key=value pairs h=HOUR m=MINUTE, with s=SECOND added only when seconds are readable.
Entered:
h=1 m=5
